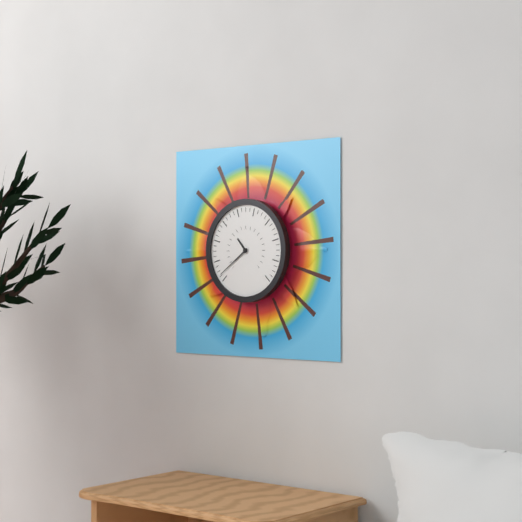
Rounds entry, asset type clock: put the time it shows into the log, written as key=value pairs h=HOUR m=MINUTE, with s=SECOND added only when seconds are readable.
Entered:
h=10 m=39
